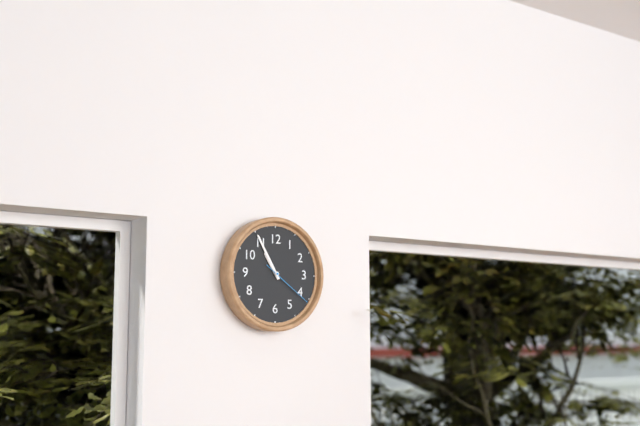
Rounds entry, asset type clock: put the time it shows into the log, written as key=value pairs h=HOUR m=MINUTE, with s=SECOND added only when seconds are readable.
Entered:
h=10 m=55 s=21
